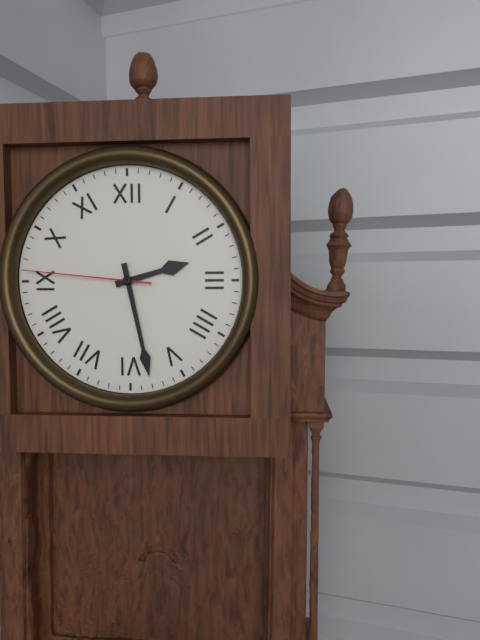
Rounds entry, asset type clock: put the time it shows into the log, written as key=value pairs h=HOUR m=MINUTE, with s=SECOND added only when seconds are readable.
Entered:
h=2 m=28 s=46
